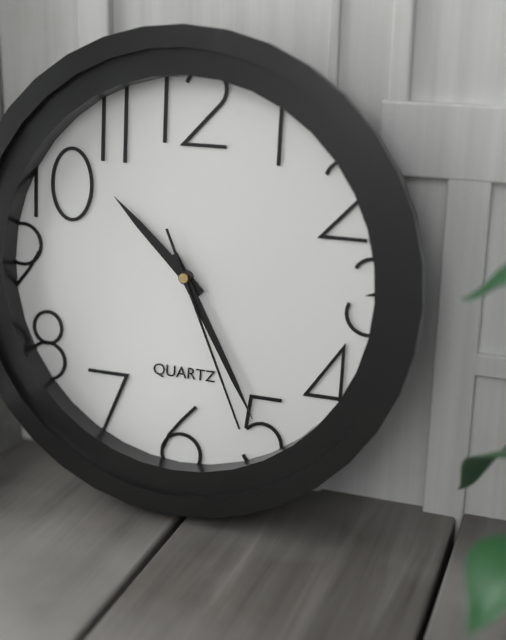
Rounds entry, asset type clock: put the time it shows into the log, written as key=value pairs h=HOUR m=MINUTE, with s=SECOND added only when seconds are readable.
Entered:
h=10 m=25 s=26
